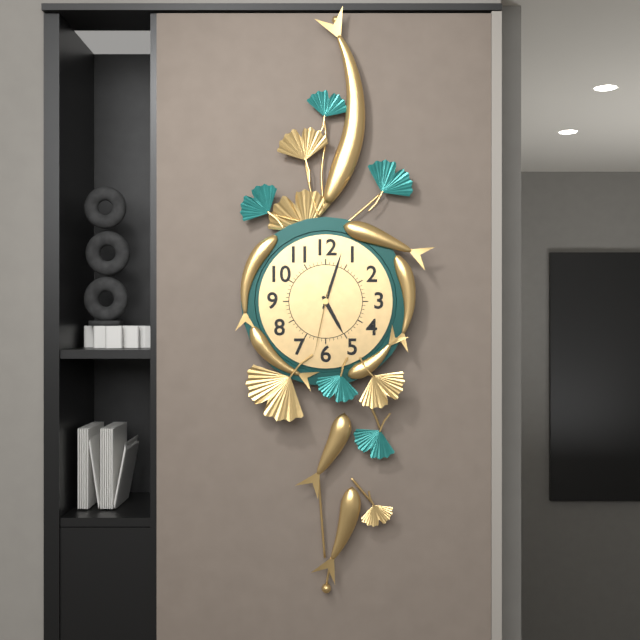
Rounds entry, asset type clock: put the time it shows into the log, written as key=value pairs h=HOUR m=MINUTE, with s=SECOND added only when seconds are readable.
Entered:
h=5 m=3 s=32
